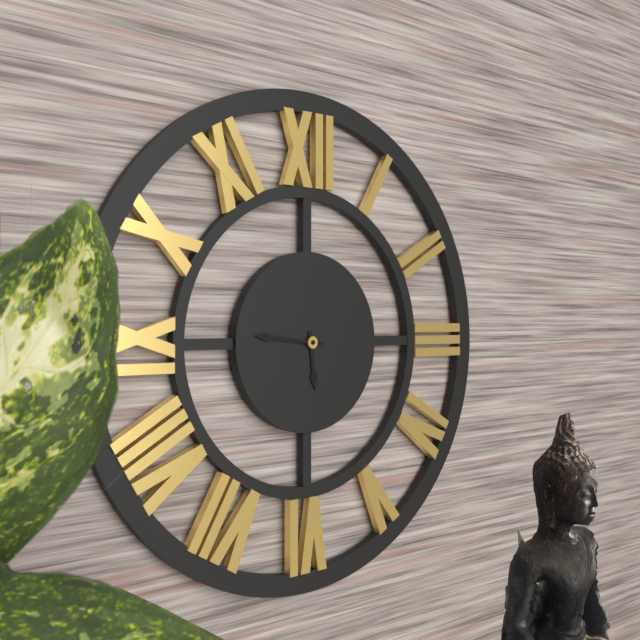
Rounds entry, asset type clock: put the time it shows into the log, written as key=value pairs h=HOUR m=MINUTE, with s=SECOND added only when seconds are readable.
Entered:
h=5 m=46
